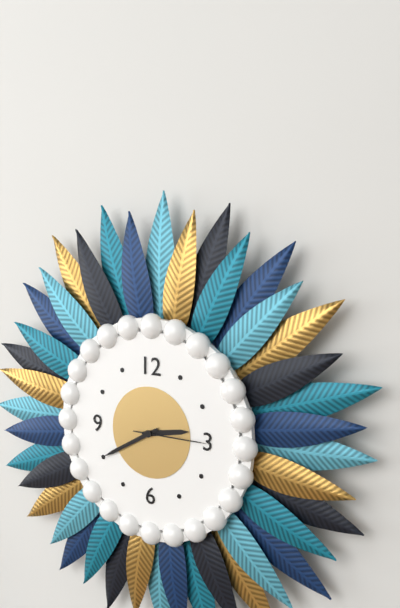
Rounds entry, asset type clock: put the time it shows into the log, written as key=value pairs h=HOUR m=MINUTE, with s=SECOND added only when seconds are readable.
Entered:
h=2 m=40 s=15
